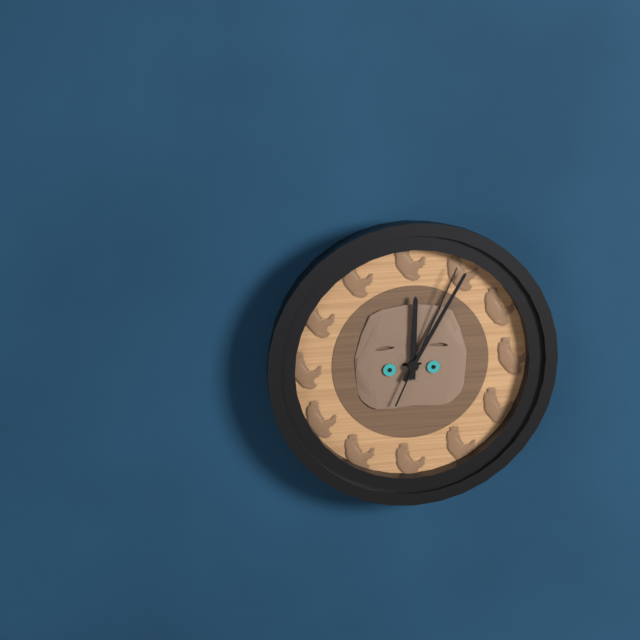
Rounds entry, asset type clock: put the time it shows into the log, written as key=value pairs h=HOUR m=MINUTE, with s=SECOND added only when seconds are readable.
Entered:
h=12 m=5 s=4
